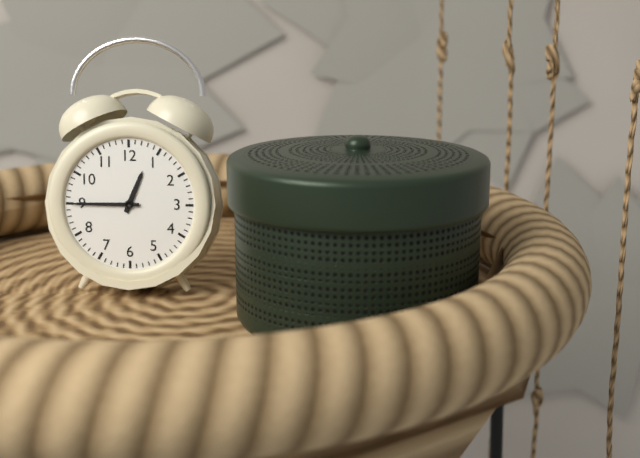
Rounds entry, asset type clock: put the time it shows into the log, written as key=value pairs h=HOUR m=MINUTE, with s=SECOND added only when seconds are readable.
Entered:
h=12 m=45
